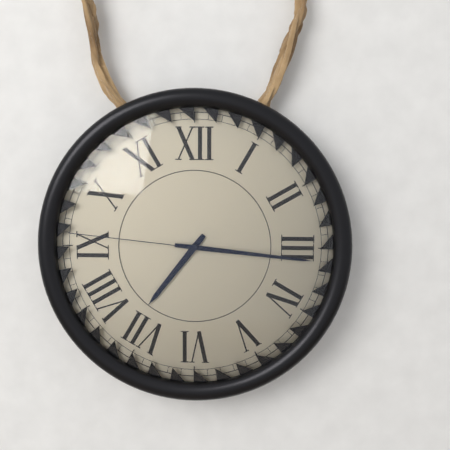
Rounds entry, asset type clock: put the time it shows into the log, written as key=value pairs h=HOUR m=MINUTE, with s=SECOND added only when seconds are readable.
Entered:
h=7 m=16 s=46
